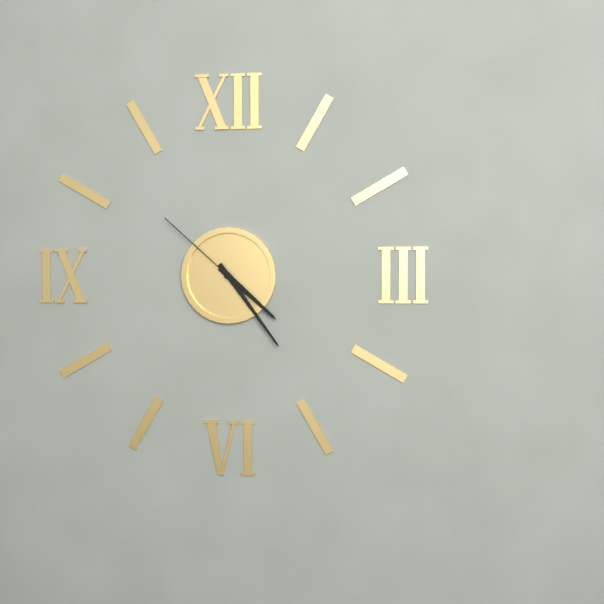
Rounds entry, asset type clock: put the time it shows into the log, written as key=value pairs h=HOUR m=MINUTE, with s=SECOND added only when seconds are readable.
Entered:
h=4 m=24 s=52
